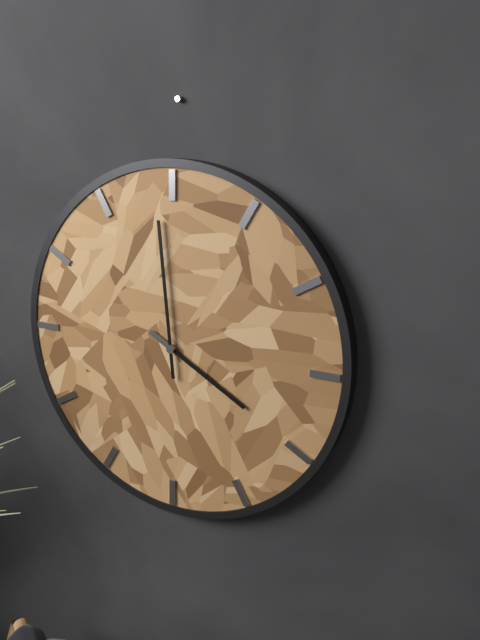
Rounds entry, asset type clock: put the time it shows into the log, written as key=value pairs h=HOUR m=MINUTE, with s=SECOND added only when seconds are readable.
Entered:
h=3 m=59
